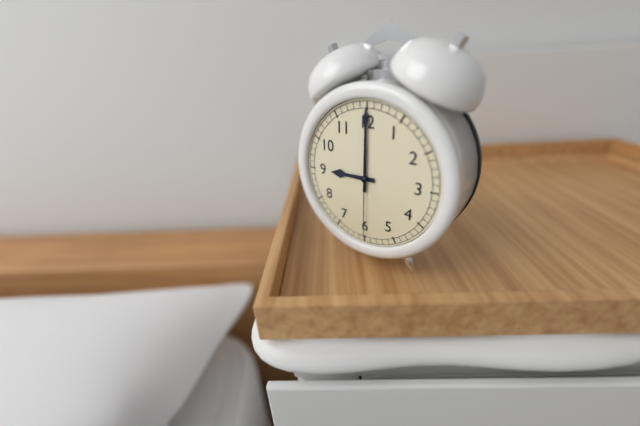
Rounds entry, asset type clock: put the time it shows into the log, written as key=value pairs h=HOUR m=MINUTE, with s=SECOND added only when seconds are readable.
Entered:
h=9 m=0 s=30
